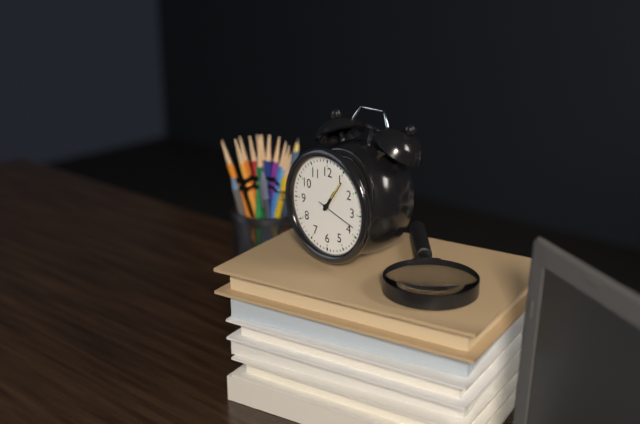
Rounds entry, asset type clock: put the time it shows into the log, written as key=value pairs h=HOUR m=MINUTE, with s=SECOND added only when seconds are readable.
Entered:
h=1 m=6
